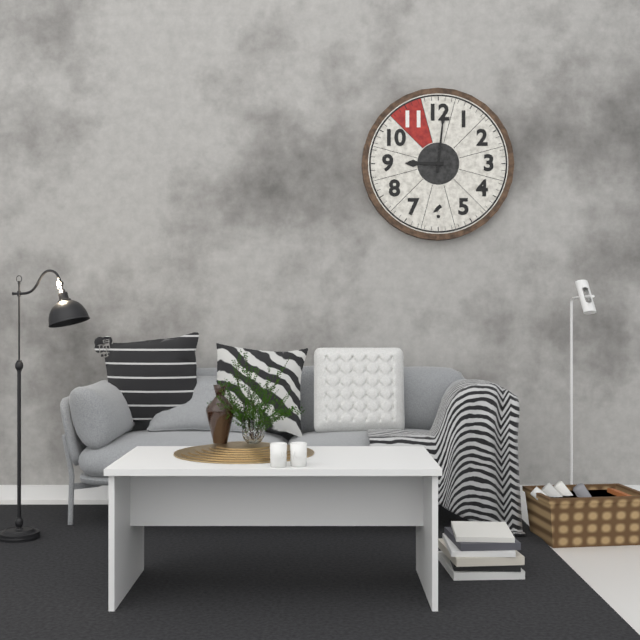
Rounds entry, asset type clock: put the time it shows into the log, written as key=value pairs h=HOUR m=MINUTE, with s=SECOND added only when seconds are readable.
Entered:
h=9 m=1
